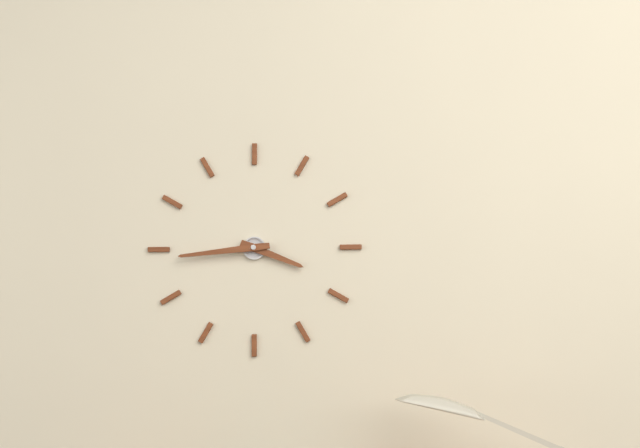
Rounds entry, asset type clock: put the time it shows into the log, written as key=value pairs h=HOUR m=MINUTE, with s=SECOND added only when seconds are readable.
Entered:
h=3 m=44
